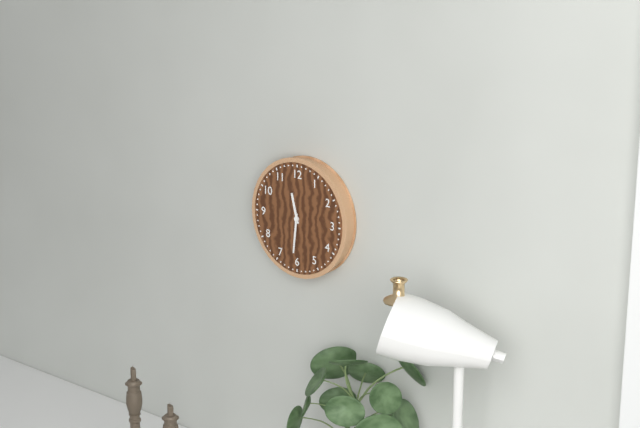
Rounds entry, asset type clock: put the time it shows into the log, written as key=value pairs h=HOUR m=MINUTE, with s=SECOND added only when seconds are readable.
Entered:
h=11 m=31
